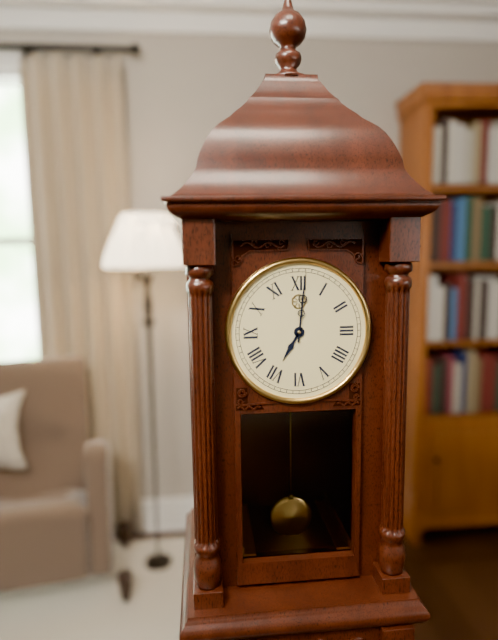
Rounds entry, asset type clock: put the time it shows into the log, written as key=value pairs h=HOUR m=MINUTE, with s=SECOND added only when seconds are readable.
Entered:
h=7 m=1
